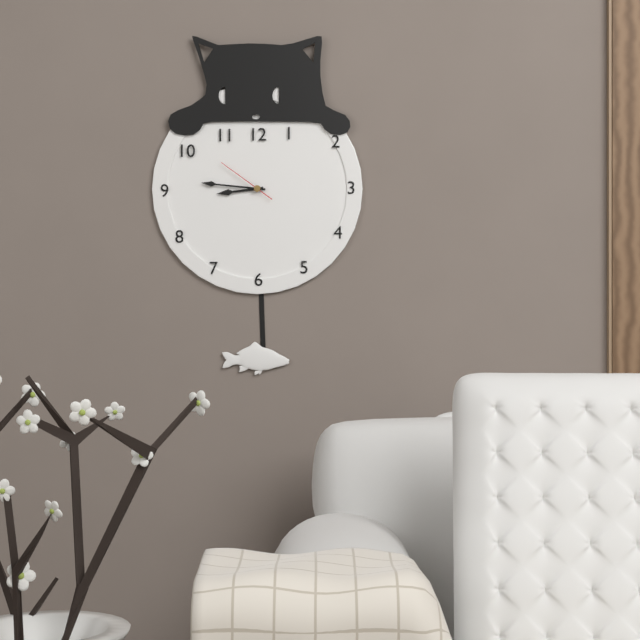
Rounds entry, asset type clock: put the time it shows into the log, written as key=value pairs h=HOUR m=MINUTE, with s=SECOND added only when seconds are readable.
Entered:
h=8 m=46 s=51
